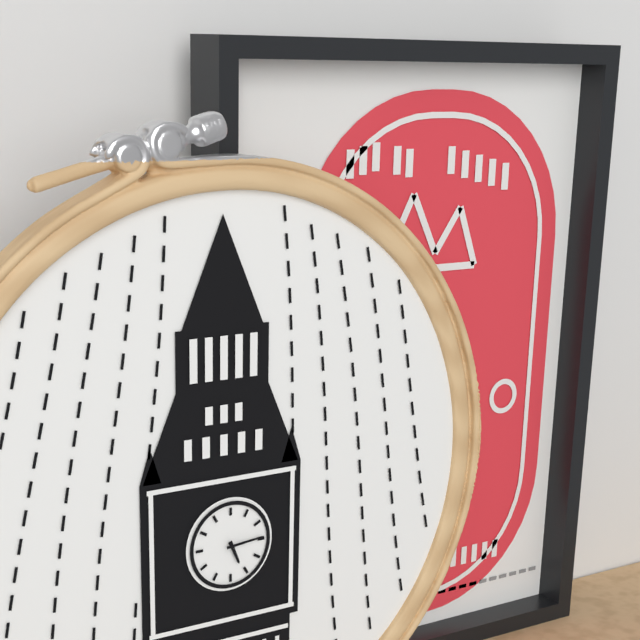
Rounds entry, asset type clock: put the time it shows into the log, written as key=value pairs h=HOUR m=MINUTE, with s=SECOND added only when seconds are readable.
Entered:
h=5 m=14
